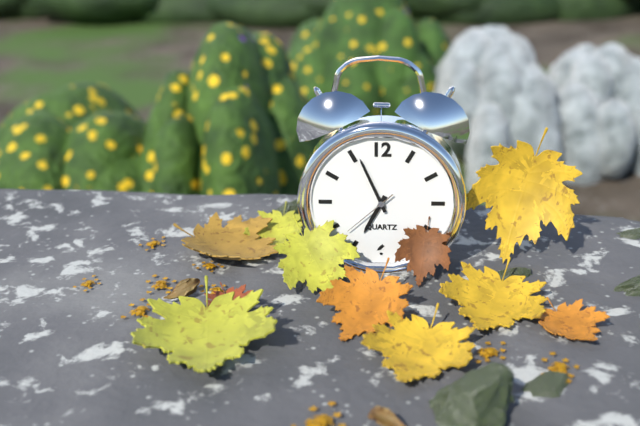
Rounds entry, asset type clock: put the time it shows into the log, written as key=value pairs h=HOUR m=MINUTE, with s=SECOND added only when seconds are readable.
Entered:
h=6 m=56 s=38
